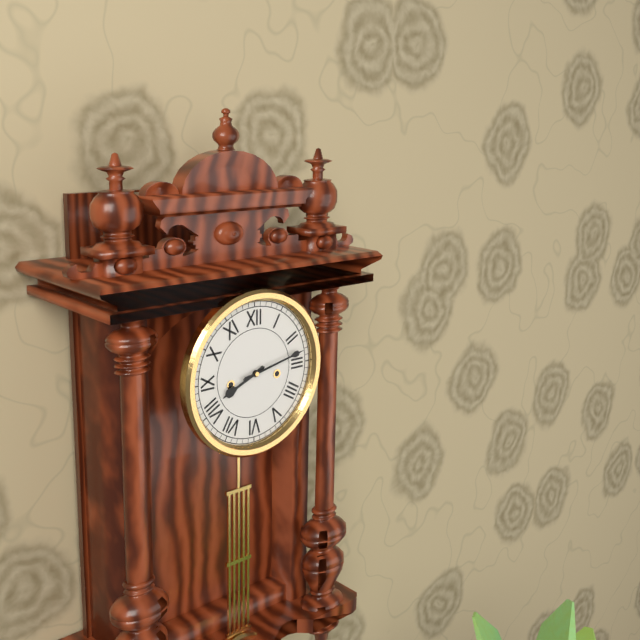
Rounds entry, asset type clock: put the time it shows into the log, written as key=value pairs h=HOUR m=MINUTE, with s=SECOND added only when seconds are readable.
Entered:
h=8 m=13
